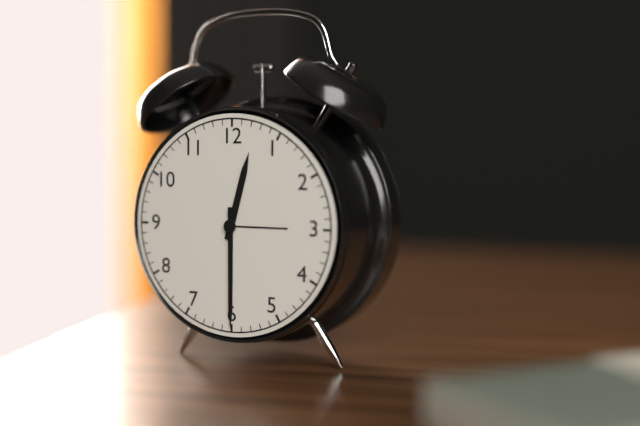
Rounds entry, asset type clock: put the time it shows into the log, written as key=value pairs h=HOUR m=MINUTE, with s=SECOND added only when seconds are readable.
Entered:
h=12 m=30
